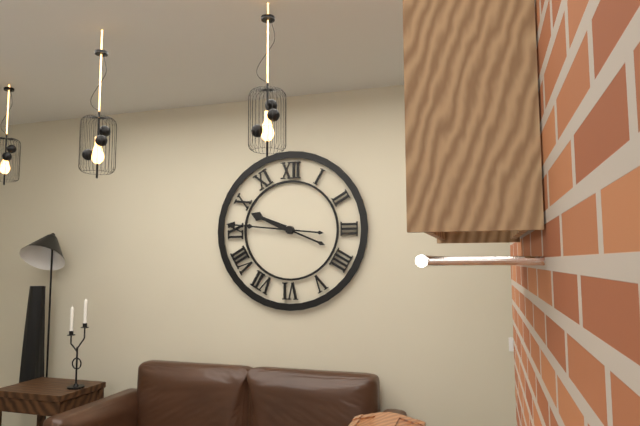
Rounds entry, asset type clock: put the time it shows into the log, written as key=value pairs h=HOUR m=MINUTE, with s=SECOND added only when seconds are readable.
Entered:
h=9 m=46
